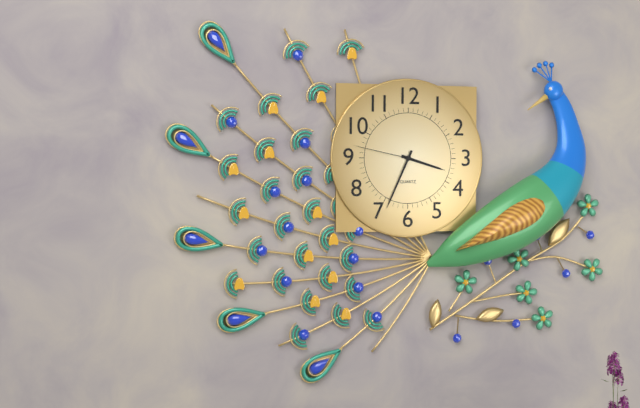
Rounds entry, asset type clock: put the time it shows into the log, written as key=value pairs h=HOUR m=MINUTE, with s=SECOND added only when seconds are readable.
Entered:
h=3 m=34 s=47
